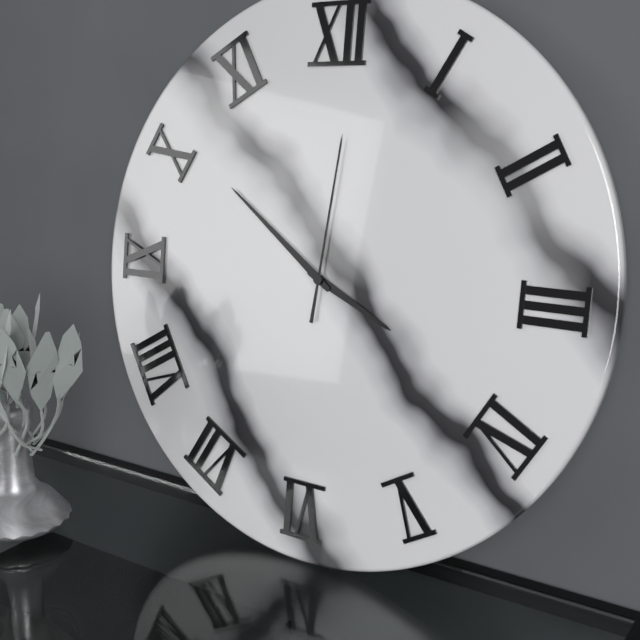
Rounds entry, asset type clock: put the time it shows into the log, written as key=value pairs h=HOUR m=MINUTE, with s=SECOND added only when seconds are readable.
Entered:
h=3 m=51 s=1
